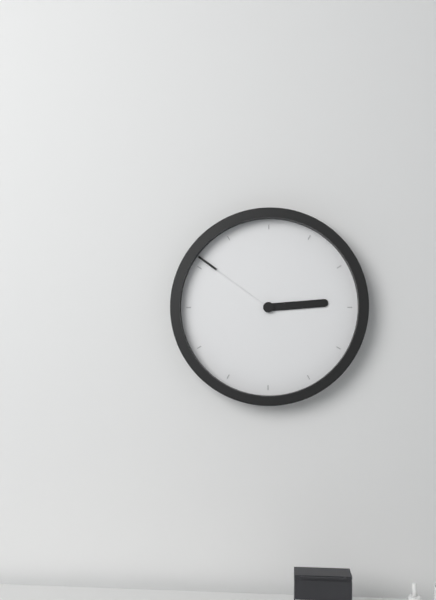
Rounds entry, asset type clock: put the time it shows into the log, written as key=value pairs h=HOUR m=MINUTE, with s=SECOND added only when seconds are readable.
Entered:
h=2 m=51
